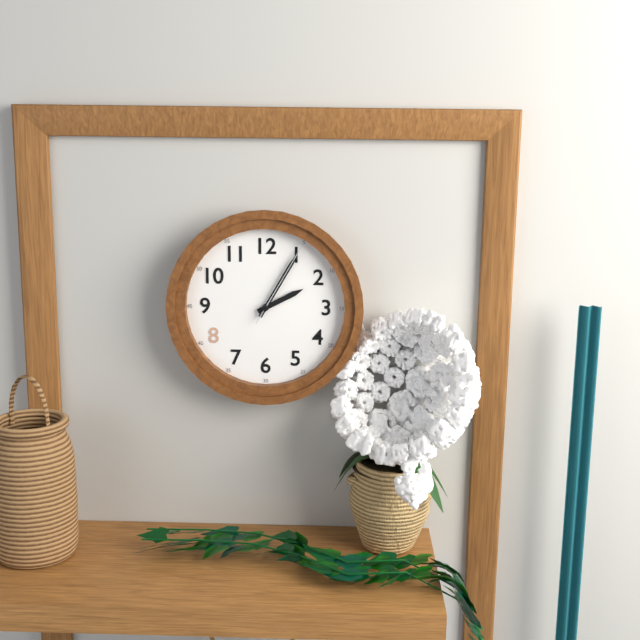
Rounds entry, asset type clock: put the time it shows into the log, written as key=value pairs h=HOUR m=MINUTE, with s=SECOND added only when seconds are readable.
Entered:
h=2 m=5 s=5
